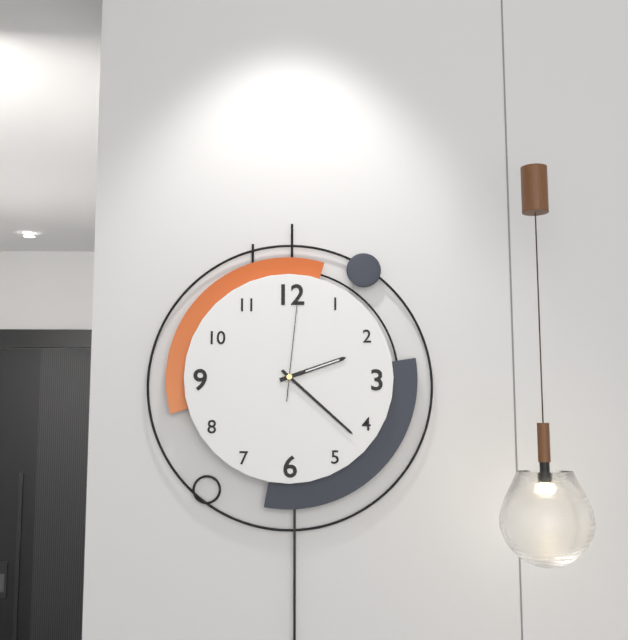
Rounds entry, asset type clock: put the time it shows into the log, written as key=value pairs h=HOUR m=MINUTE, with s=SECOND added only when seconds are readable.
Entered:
h=2 m=22 s=1
